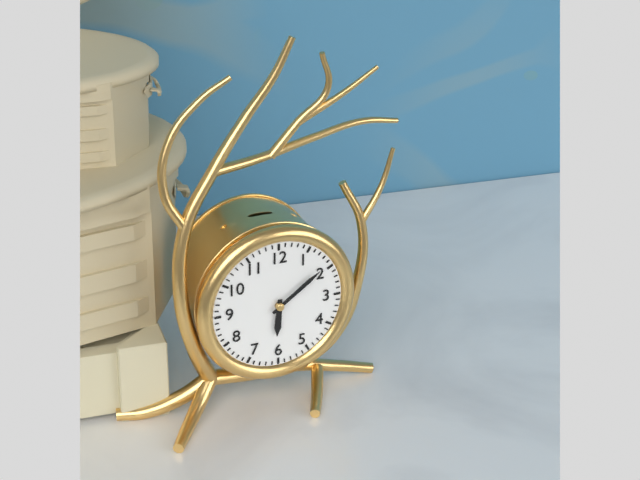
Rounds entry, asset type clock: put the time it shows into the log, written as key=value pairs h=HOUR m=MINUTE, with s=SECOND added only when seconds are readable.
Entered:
h=6 m=9
